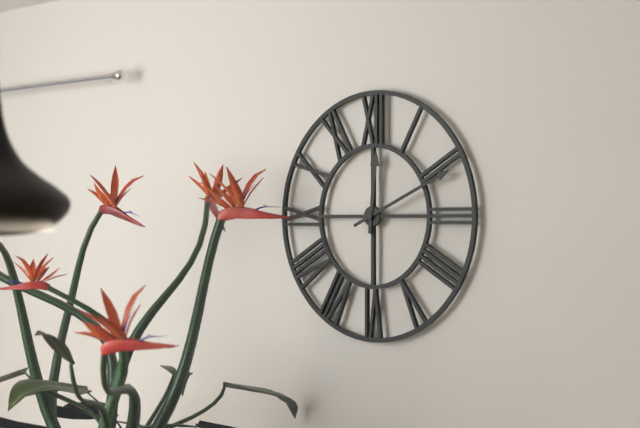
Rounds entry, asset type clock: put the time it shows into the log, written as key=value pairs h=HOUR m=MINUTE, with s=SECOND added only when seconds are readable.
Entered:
h=12 m=11
